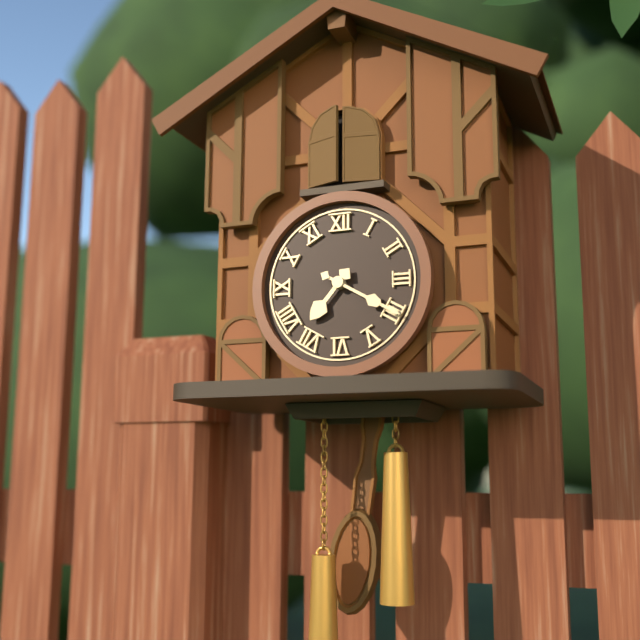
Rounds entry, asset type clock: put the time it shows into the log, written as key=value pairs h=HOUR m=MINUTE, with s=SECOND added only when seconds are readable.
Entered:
h=7 m=20
